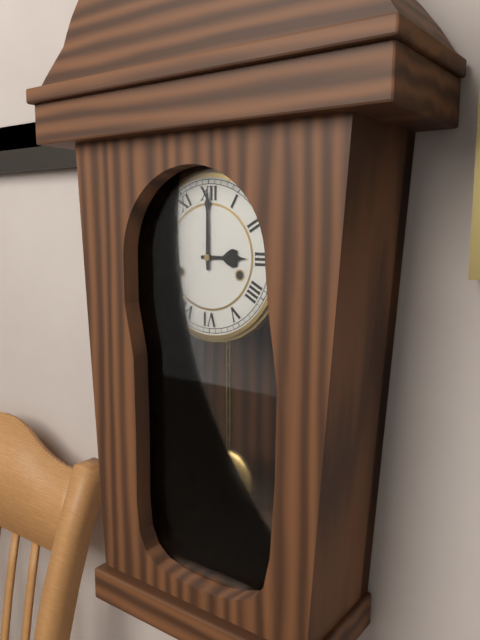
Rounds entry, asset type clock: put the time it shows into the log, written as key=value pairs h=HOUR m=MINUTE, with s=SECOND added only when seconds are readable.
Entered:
h=3 m=0
